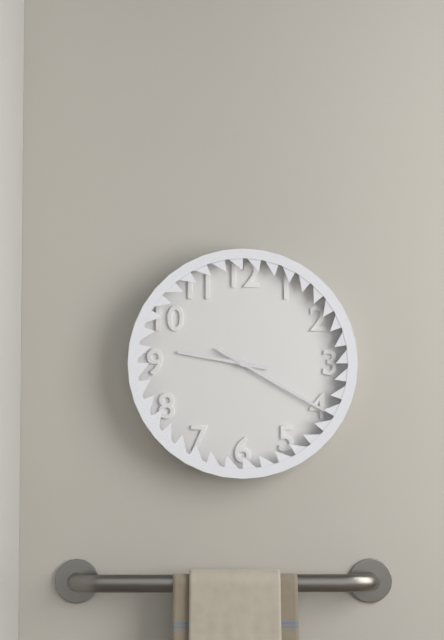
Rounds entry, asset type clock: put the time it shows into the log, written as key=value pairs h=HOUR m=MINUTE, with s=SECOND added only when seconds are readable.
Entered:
h=9 m=20
